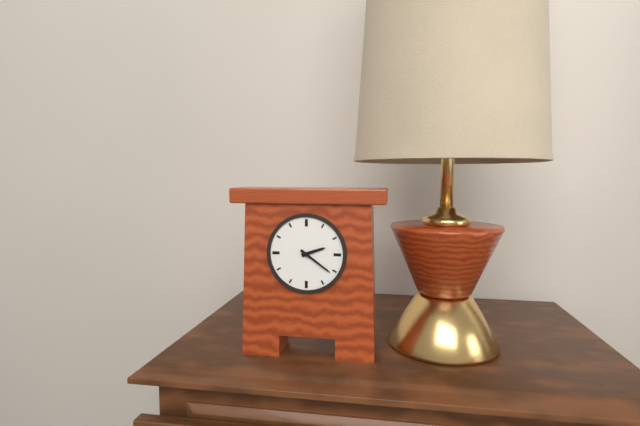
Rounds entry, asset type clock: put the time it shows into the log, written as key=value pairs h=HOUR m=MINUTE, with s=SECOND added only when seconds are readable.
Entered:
h=2 m=21
